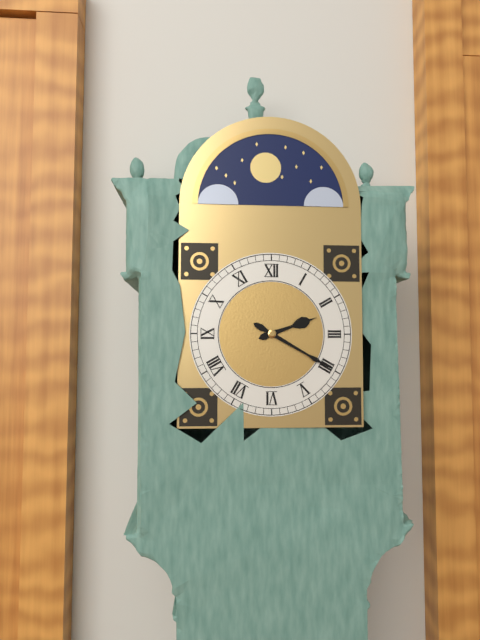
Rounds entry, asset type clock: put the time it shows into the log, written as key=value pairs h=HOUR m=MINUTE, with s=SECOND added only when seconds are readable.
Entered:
h=2 m=20
